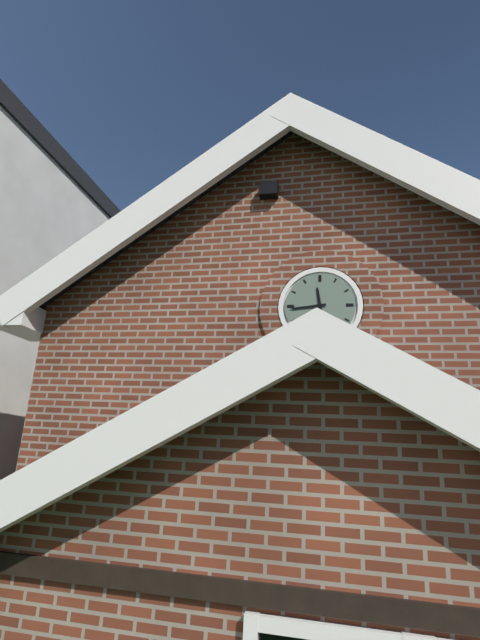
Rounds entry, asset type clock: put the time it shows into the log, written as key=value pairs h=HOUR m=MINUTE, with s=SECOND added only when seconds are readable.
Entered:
h=11 m=44
